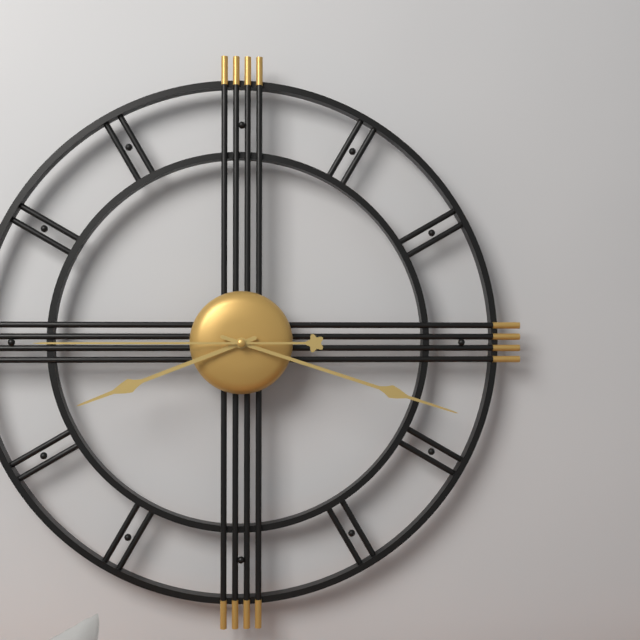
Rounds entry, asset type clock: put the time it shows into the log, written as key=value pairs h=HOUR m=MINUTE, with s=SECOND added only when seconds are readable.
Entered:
h=8 m=18 s=45
